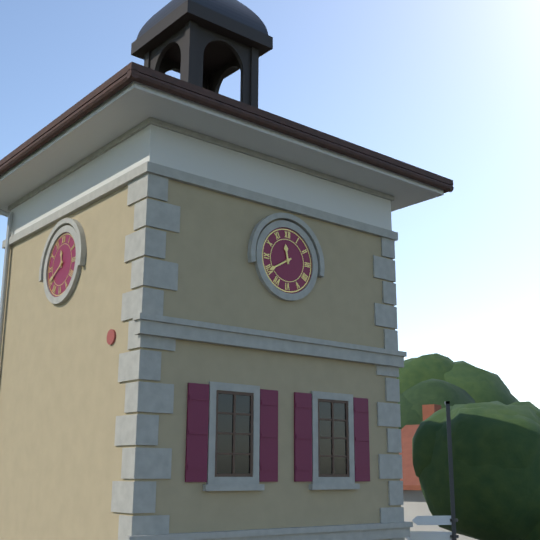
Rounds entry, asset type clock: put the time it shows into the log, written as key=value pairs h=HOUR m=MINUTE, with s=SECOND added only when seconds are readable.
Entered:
h=11 m=40
